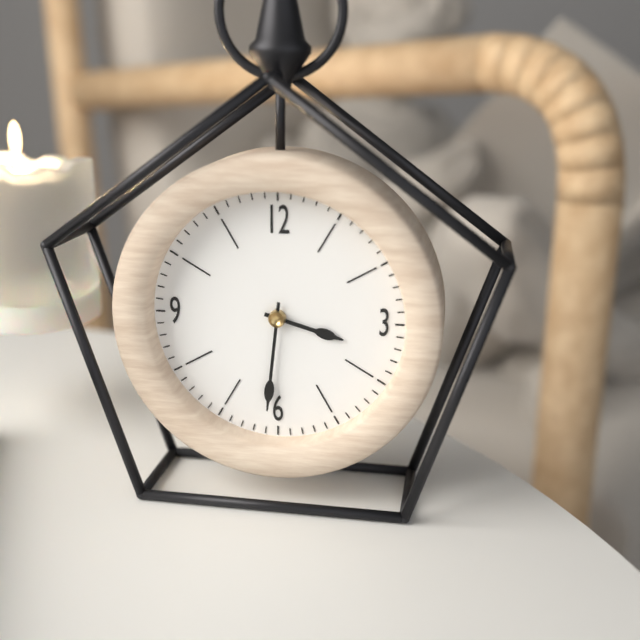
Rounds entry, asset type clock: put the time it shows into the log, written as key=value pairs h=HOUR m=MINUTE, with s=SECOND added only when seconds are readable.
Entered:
h=3 m=31
